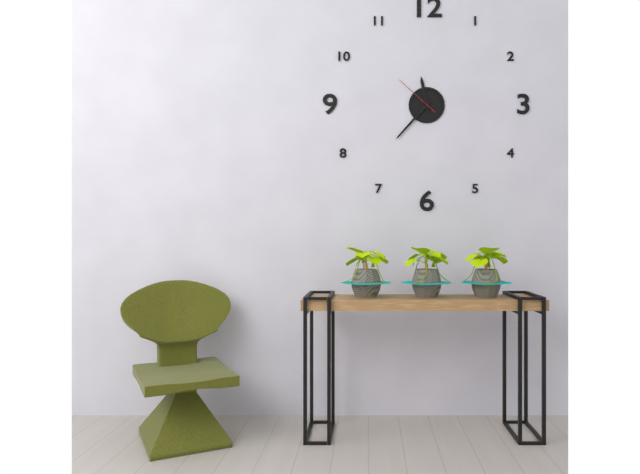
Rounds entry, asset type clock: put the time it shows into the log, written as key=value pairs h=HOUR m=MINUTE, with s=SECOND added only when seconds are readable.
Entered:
h=11 m=37
